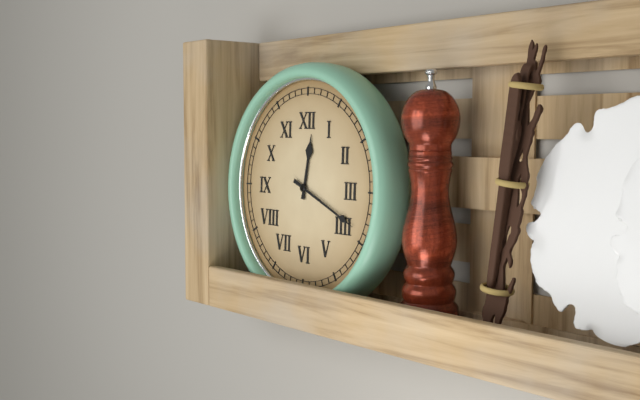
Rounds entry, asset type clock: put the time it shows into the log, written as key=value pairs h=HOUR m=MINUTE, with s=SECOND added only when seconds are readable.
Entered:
h=12 m=19
